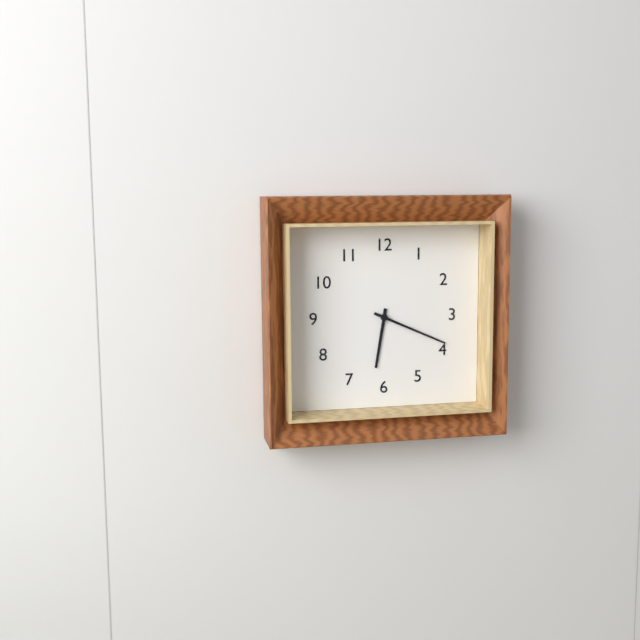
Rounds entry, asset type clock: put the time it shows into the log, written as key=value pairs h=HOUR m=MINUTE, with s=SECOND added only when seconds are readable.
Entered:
h=6 m=19
